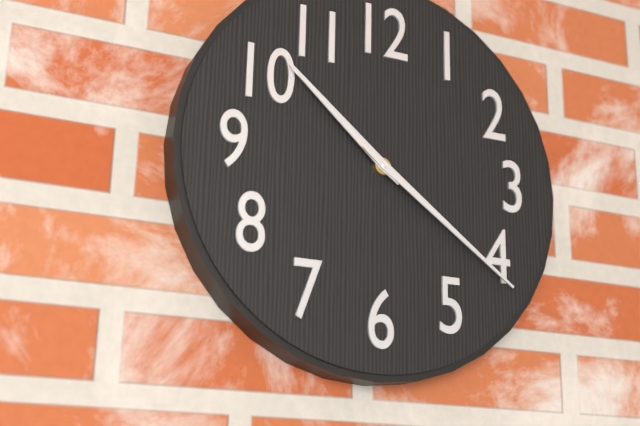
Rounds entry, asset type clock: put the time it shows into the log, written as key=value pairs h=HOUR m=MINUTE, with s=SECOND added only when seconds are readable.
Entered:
h=10 m=21
